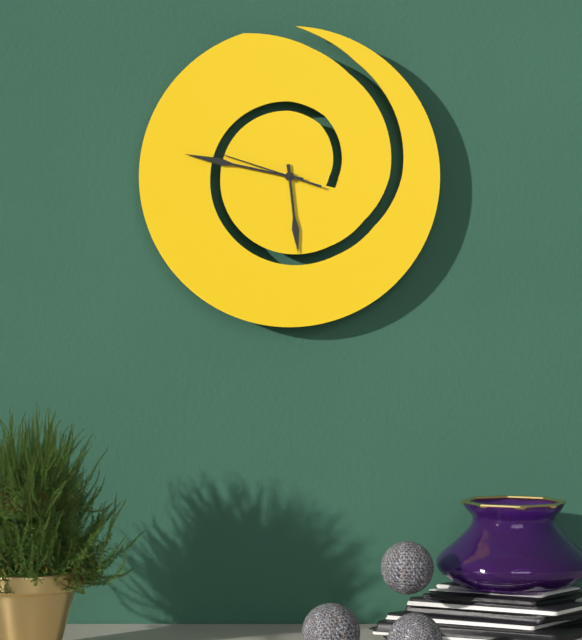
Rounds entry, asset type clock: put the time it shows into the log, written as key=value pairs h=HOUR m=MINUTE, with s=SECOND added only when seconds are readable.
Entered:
h=5 m=47 s=48
